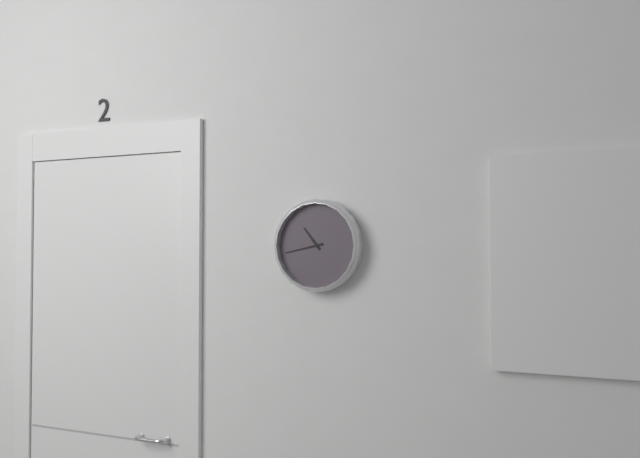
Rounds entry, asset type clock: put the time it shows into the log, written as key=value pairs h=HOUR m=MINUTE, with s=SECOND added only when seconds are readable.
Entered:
h=10 m=43
